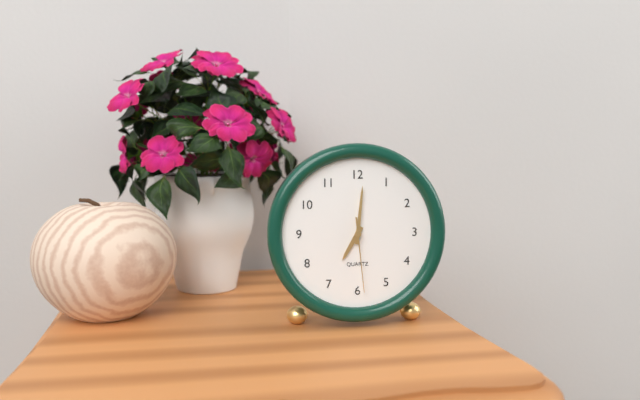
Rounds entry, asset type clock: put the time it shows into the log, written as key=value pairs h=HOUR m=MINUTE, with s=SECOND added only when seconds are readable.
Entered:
h=7 m=1 s=29
